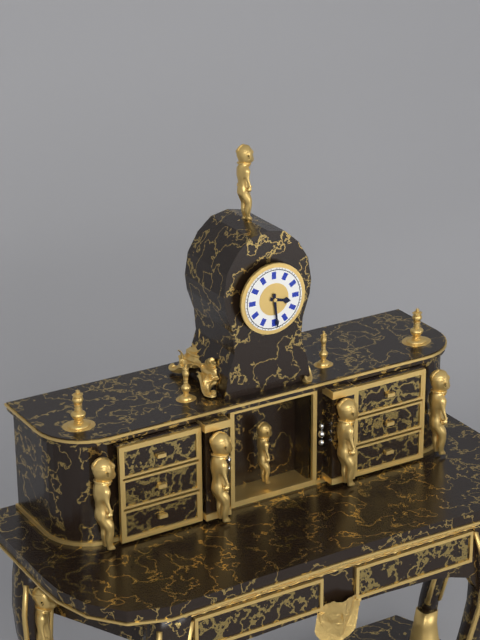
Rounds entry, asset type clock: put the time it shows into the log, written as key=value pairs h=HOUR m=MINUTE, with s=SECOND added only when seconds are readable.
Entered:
h=3 m=29
